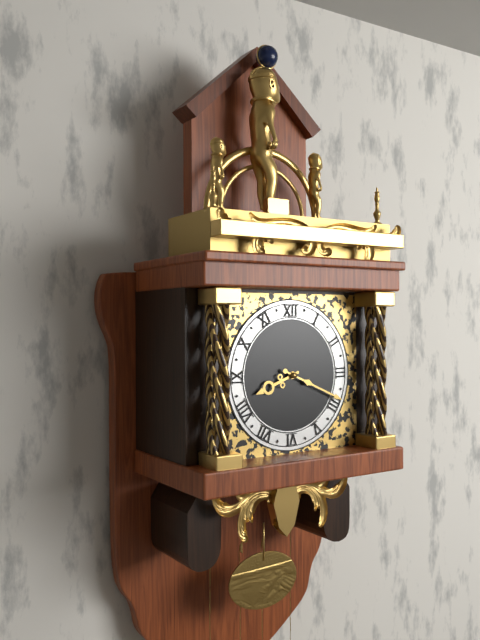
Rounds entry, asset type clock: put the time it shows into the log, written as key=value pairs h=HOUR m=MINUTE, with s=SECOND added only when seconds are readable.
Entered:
h=8 m=19
